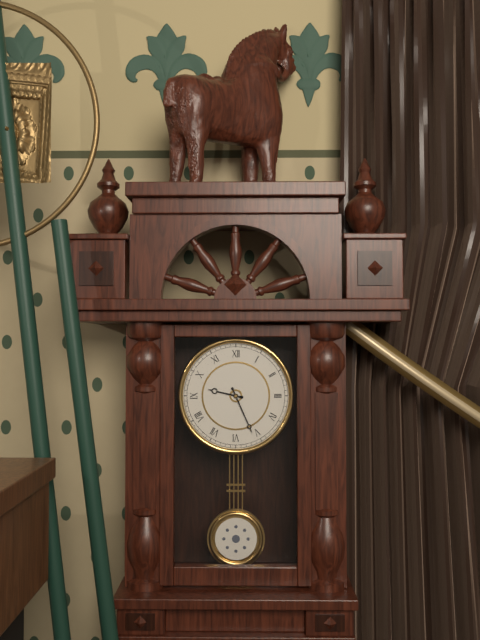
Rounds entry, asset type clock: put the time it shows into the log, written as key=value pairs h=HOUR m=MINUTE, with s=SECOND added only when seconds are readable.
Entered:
h=9 m=26
